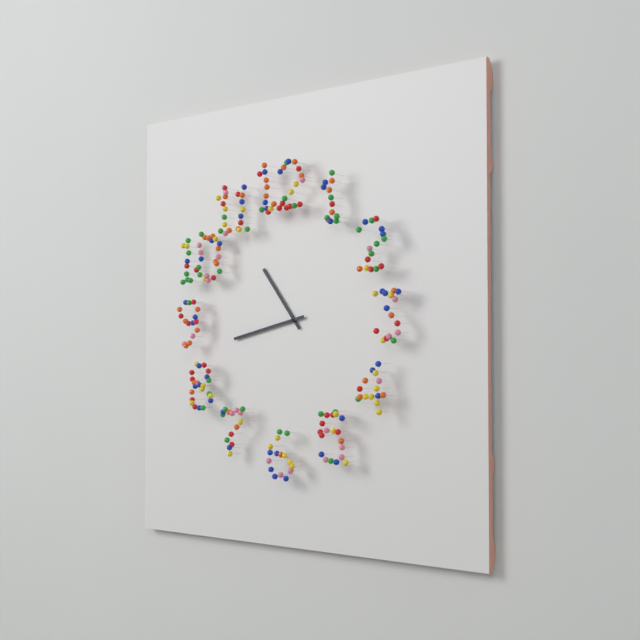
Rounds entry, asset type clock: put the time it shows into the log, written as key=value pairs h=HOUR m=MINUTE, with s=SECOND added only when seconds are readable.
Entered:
h=10 m=43
